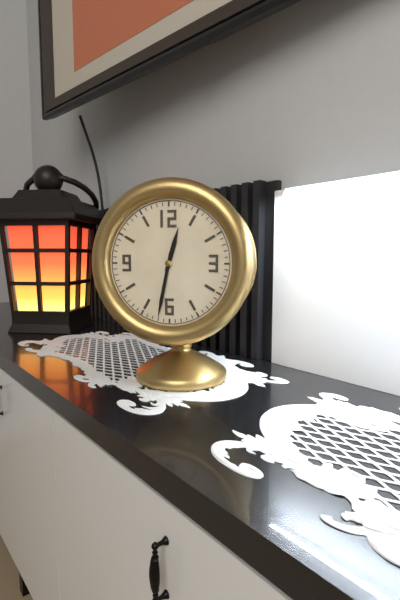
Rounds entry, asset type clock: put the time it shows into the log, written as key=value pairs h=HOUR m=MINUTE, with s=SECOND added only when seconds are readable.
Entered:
h=12 m=32
